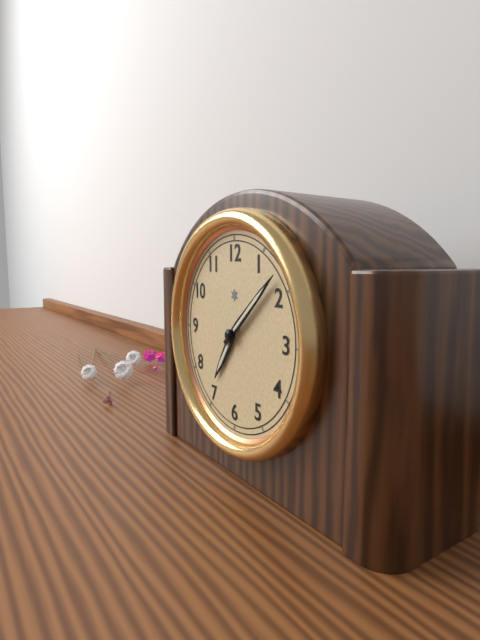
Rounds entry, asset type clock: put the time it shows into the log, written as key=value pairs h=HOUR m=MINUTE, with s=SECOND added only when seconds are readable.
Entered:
h=7 m=8
